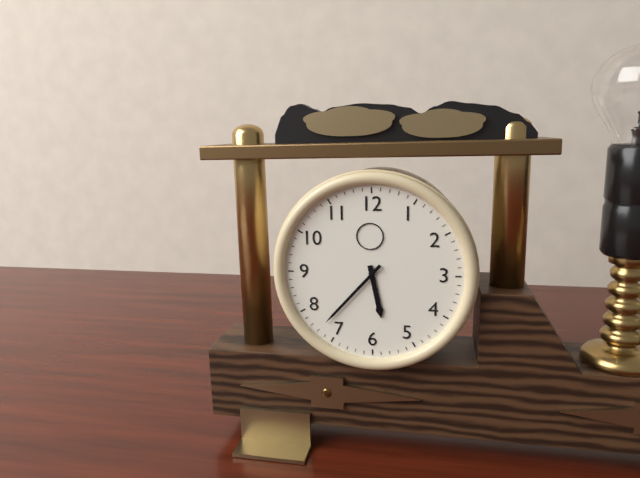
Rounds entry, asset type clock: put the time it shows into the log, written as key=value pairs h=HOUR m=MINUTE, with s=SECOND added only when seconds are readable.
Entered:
h=5 m=37
